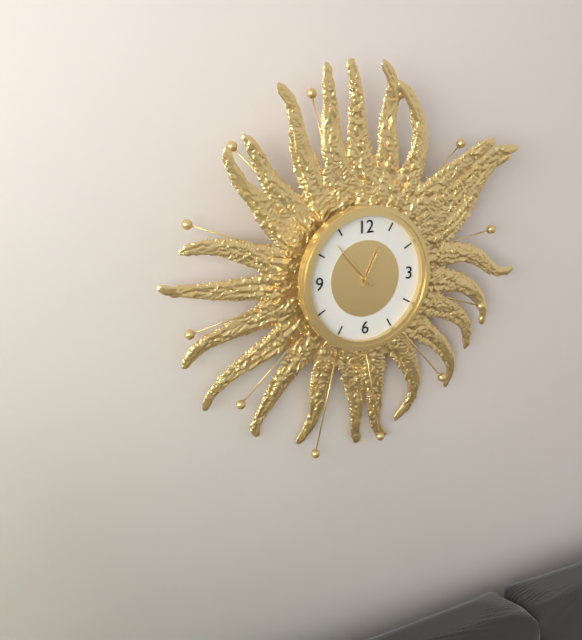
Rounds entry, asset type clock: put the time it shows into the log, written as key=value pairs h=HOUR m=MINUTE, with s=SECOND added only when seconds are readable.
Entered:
h=12 m=53
